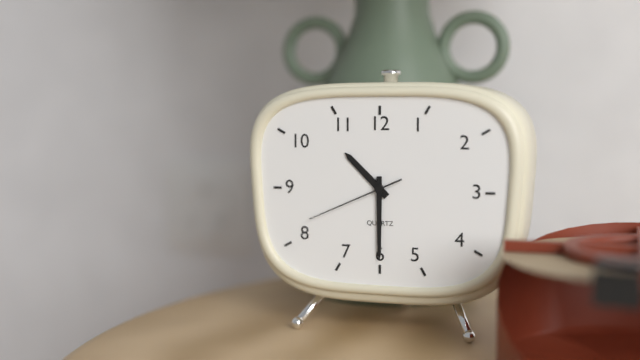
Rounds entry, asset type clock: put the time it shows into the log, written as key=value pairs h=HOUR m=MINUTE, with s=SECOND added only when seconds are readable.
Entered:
h=10 m=30 s=41
